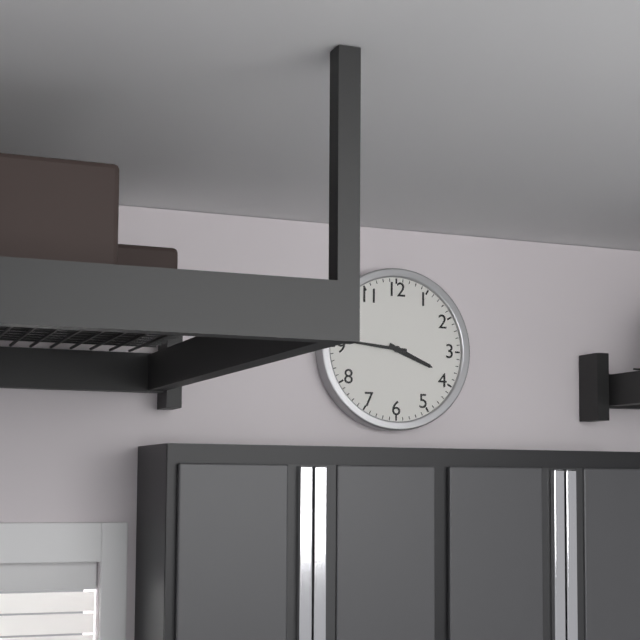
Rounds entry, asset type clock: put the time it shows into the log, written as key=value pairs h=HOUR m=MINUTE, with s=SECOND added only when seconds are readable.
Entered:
h=3 m=46
